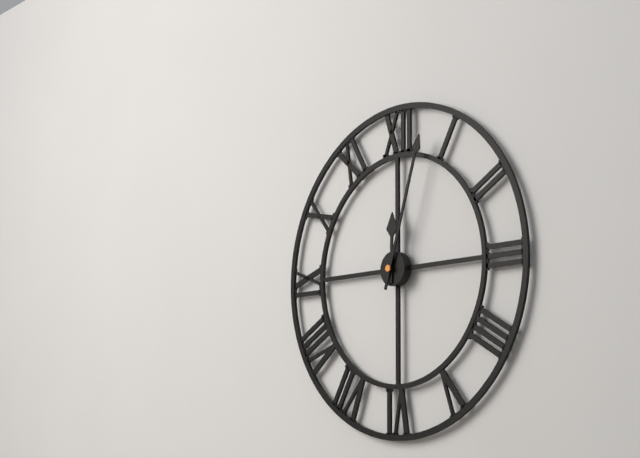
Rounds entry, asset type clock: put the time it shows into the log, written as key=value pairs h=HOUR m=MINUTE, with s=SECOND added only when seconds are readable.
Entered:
h=12 m=3
